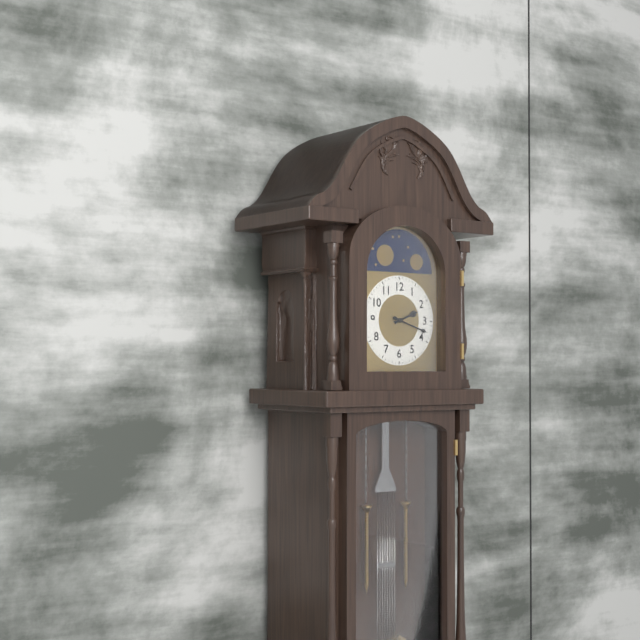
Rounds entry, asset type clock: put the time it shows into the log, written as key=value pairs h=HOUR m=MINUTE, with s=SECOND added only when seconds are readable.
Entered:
h=2 m=18
